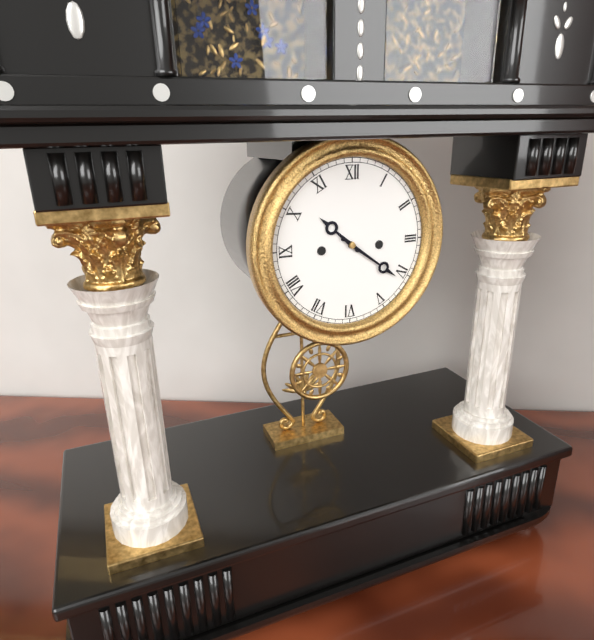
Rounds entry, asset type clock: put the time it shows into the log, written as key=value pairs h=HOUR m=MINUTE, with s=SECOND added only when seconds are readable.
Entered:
h=10 m=21
